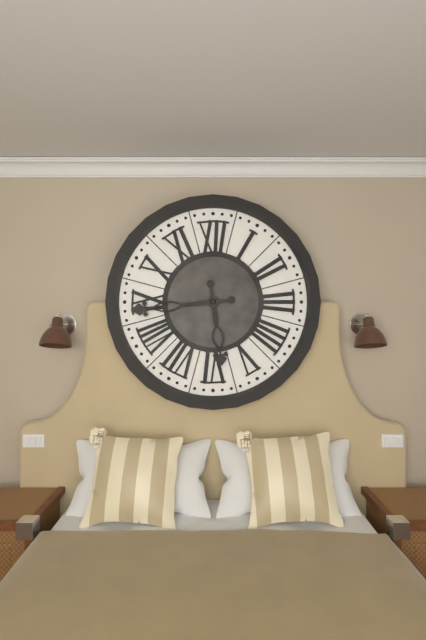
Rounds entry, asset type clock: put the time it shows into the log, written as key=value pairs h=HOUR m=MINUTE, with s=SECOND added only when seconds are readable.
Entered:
h=5 m=44
